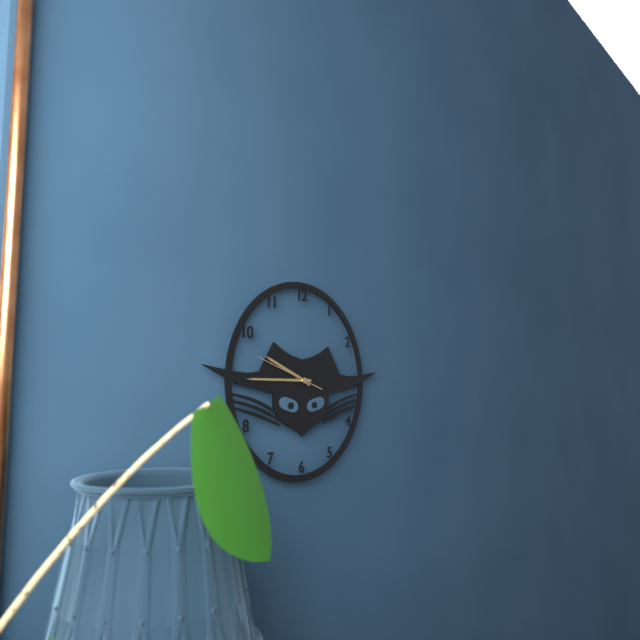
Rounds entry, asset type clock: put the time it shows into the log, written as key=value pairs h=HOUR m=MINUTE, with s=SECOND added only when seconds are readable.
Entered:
h=9 m=45 s=48
